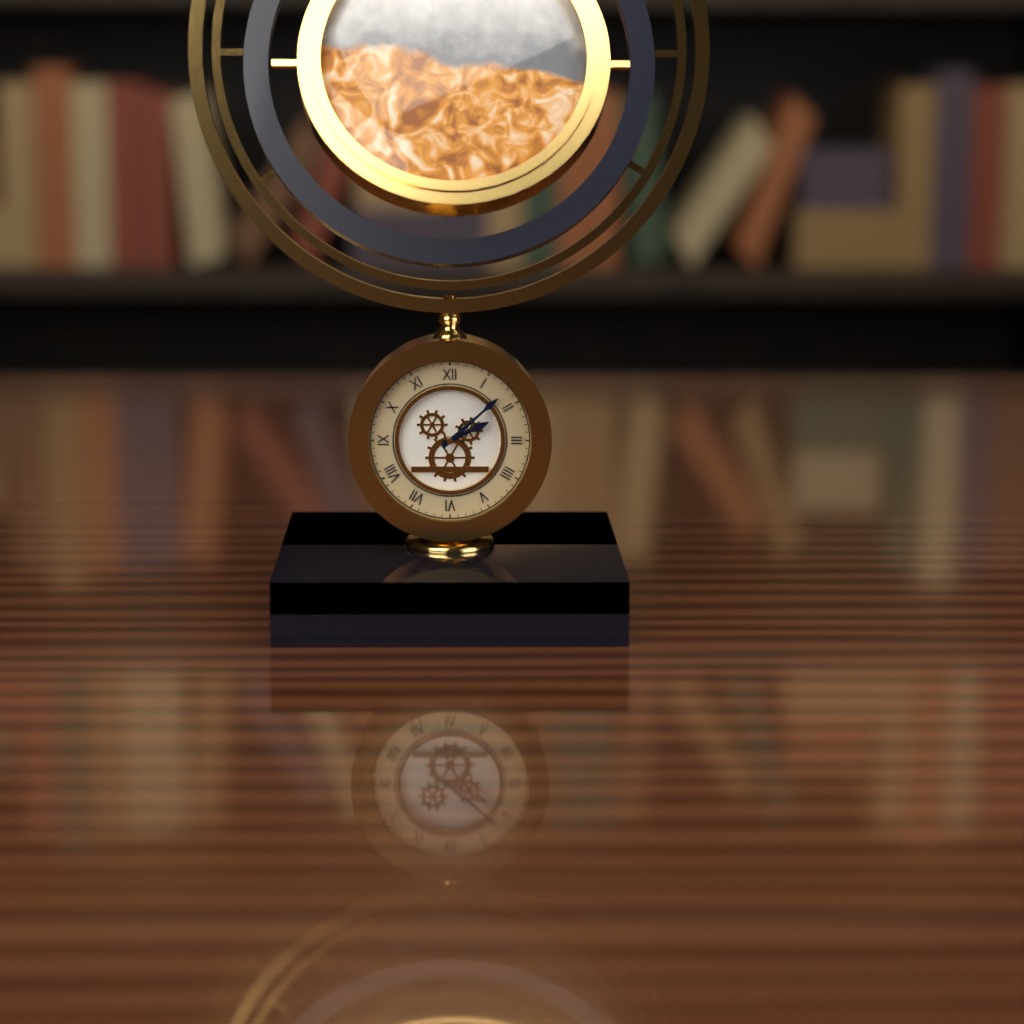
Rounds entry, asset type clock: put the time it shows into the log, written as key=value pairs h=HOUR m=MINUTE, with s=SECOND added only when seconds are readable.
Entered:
h=2 m=8
